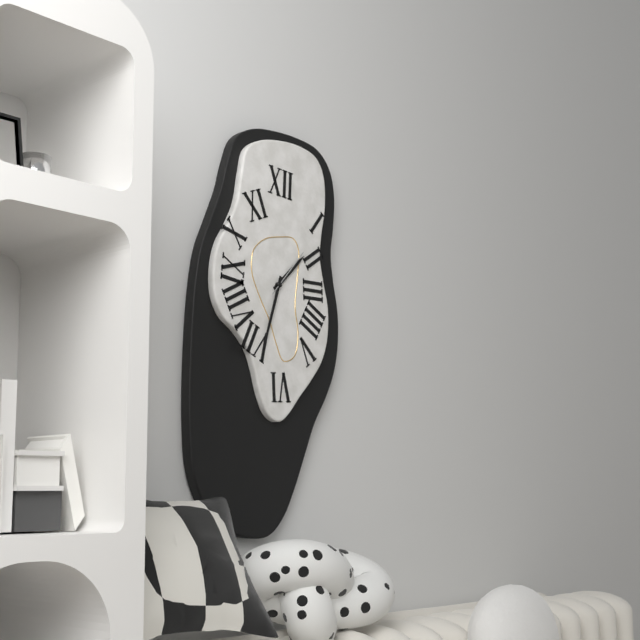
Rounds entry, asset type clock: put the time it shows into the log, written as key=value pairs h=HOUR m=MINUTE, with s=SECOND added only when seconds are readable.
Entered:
h=1 m=33 s=7
